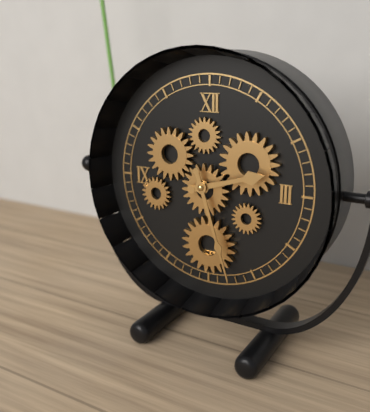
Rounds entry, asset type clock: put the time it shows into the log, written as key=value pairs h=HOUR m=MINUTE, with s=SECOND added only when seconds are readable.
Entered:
h=2 m=27
